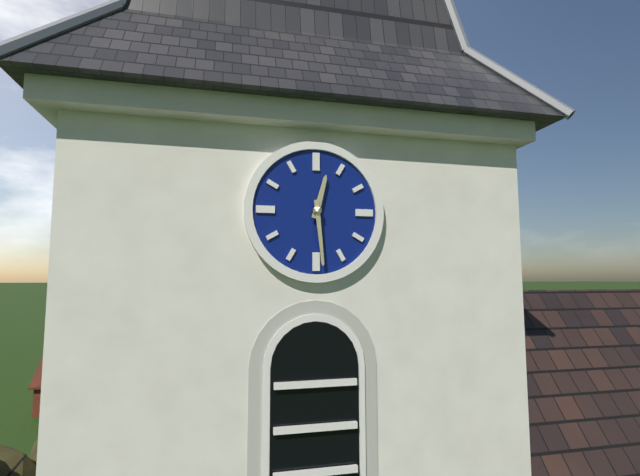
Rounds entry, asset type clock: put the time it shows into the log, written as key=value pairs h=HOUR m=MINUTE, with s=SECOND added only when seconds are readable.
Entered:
h=12 m=29
